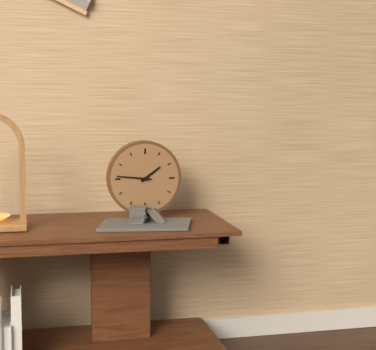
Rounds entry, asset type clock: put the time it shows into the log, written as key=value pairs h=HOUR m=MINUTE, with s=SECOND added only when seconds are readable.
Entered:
h=1 m=46
